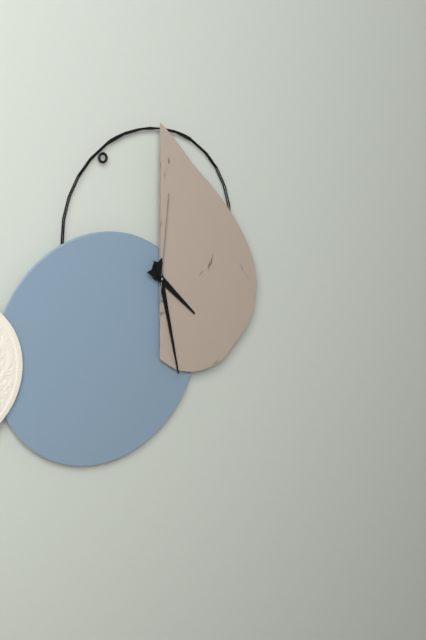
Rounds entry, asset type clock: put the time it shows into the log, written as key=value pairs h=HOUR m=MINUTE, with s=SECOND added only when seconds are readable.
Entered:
h=4 m=28 s=1
